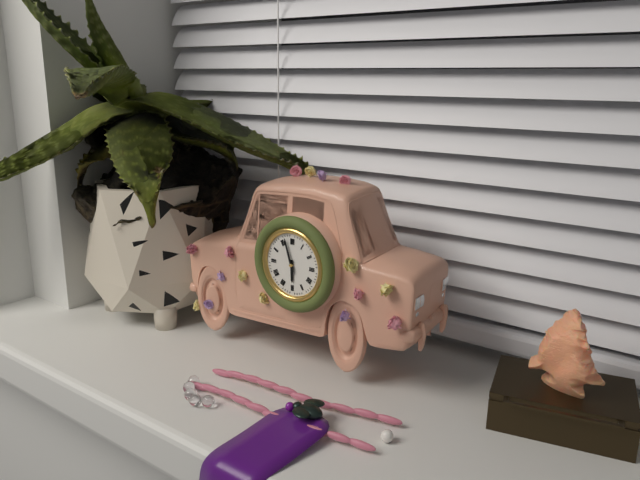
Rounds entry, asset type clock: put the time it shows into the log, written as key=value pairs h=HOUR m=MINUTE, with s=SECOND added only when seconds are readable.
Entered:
h=5 m=57
